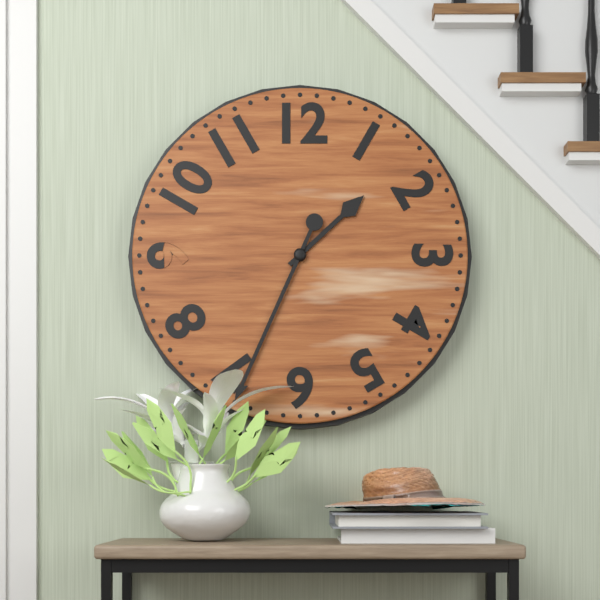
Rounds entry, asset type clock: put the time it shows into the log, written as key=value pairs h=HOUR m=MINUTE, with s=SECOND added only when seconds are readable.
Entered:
h=1 m=34
